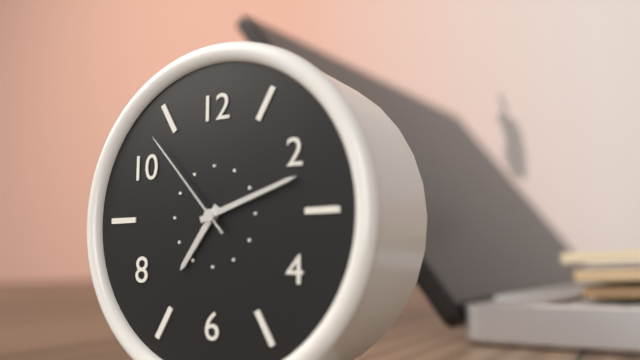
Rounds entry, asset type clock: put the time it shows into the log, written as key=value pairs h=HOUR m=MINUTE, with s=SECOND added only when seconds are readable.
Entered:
h=7 m=12 s=53
